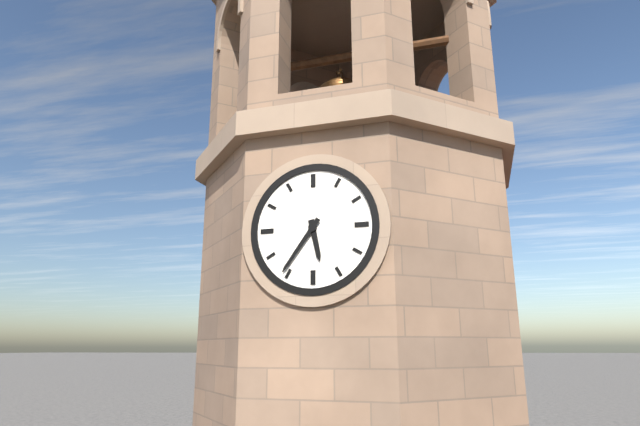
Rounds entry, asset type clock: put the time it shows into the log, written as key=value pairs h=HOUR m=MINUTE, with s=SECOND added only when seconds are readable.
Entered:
h=5 m=36
